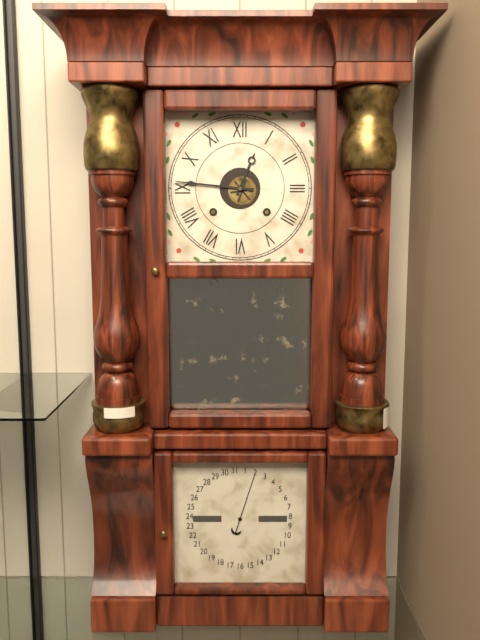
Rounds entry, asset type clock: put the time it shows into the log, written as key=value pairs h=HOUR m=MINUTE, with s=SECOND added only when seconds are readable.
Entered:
h=12 m=46
